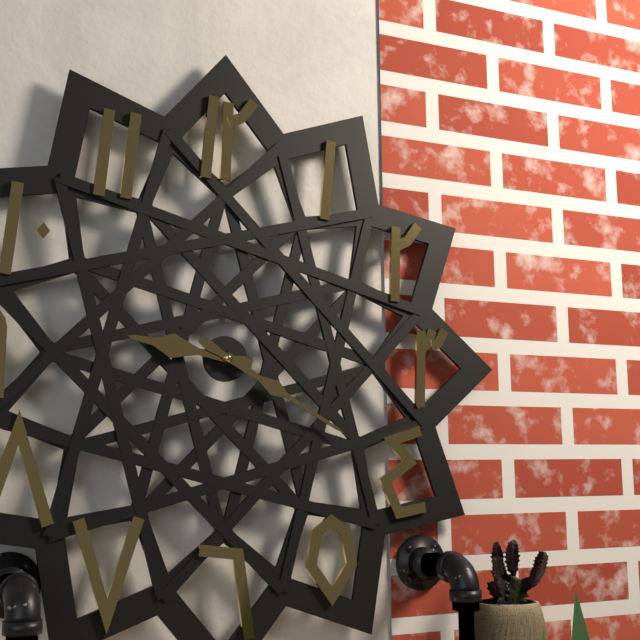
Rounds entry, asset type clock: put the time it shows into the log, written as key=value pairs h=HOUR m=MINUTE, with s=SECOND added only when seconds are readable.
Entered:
h=9 m=20
